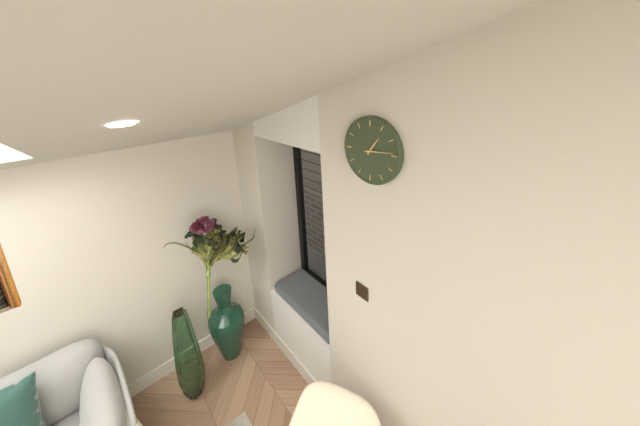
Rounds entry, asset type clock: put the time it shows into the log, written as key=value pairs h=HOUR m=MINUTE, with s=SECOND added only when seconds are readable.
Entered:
h=1 m=14
